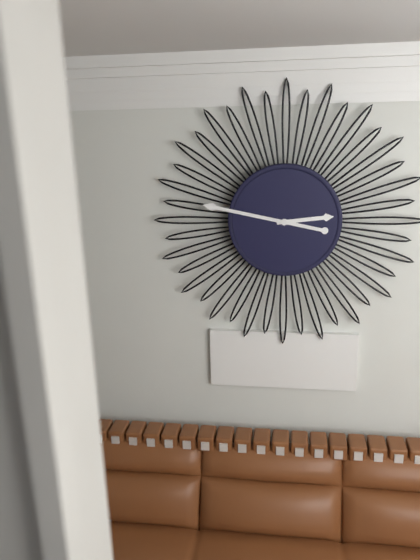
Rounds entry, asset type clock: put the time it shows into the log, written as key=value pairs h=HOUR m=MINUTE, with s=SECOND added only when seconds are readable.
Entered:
h=2 m=47
